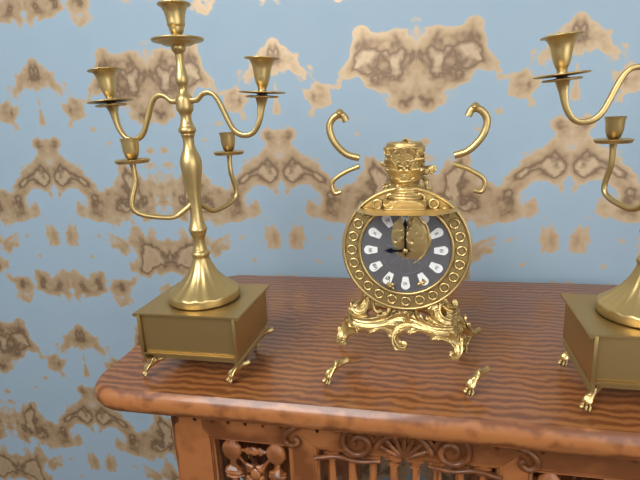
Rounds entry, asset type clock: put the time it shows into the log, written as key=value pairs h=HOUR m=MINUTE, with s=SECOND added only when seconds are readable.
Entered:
h=9 m=0
